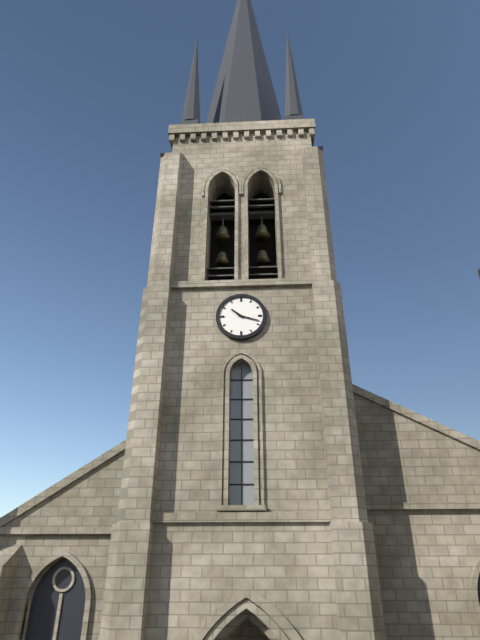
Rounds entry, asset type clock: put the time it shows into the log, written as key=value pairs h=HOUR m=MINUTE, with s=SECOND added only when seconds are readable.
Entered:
h=10 m=18
